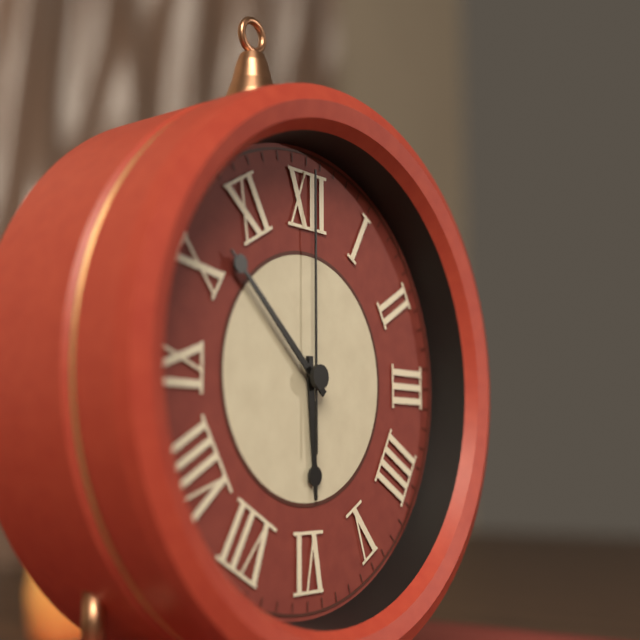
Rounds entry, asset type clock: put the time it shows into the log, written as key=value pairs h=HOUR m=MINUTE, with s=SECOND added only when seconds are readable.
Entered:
h=5 m=52 s=0
